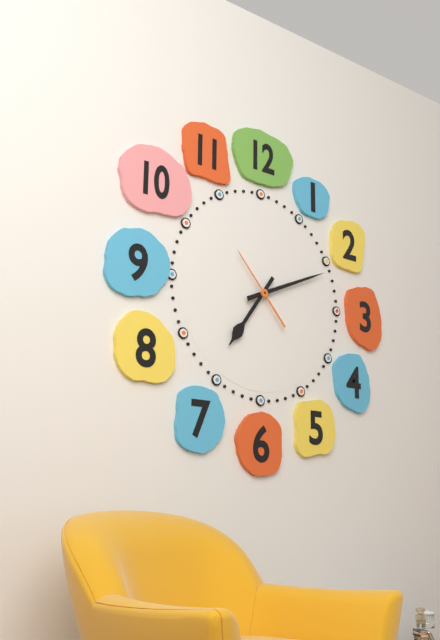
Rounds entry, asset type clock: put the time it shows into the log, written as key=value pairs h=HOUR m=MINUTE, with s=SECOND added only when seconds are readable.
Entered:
h=7 m=11 s=53
